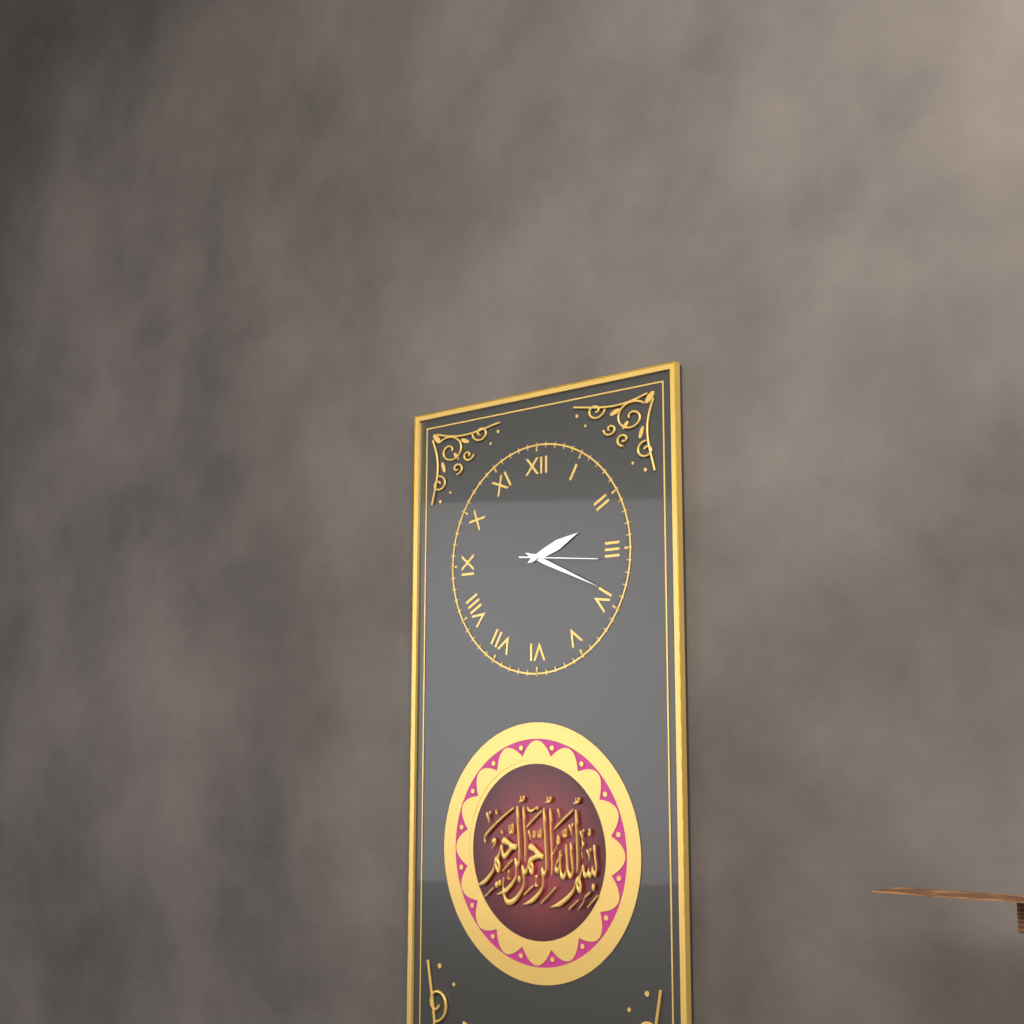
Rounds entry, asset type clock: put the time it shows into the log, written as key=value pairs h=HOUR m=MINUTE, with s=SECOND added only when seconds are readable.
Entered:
h=2 m=19 s=16
